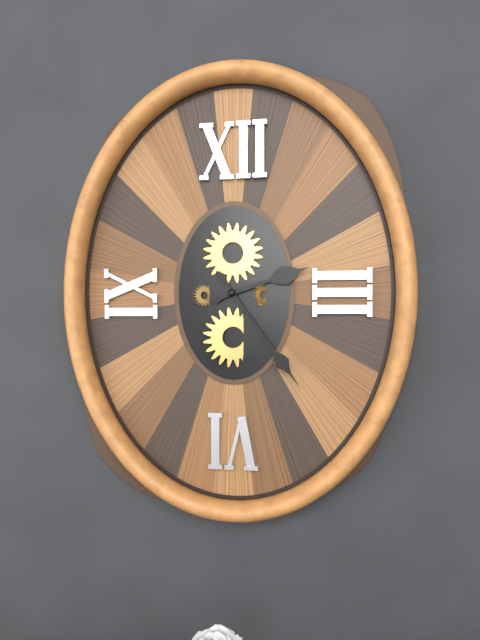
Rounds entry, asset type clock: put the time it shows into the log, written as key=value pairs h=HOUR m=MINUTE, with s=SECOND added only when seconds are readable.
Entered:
h=2 m=24
